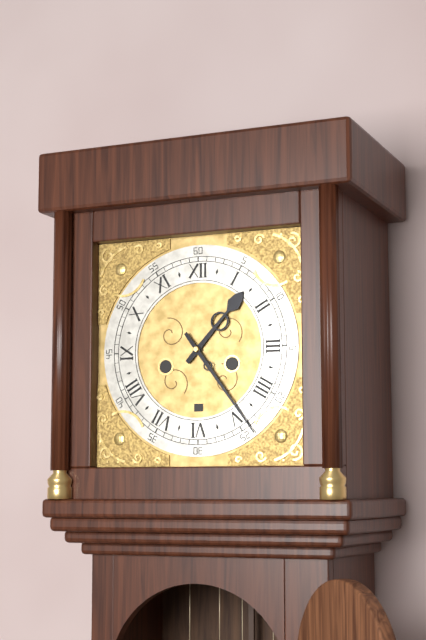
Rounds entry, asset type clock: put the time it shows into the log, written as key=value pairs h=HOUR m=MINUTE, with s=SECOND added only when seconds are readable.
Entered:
h=1 m=24
